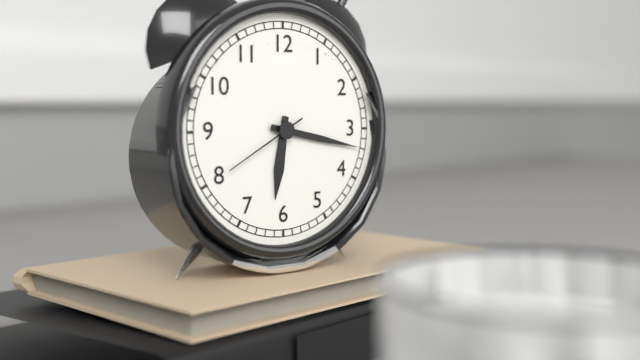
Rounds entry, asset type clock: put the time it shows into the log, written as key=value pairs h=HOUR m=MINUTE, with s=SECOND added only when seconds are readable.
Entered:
h=6 m=17 s=40
